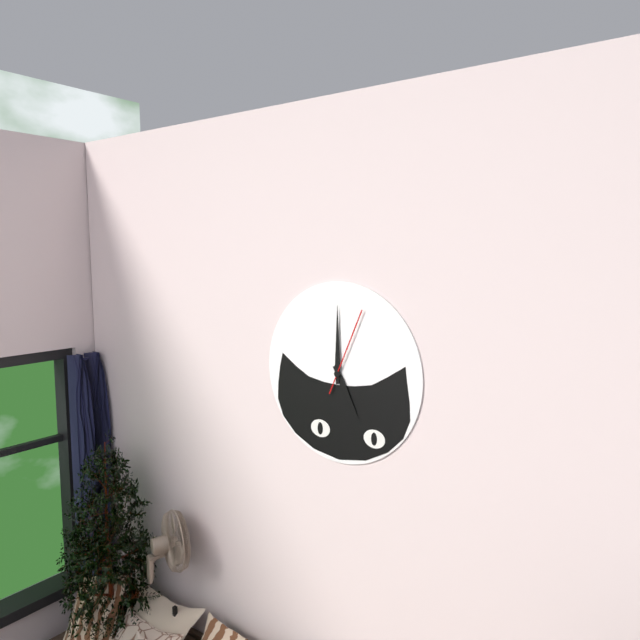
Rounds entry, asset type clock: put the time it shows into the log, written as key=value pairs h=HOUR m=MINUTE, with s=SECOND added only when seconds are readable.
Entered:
h=5 m=0 s=4
